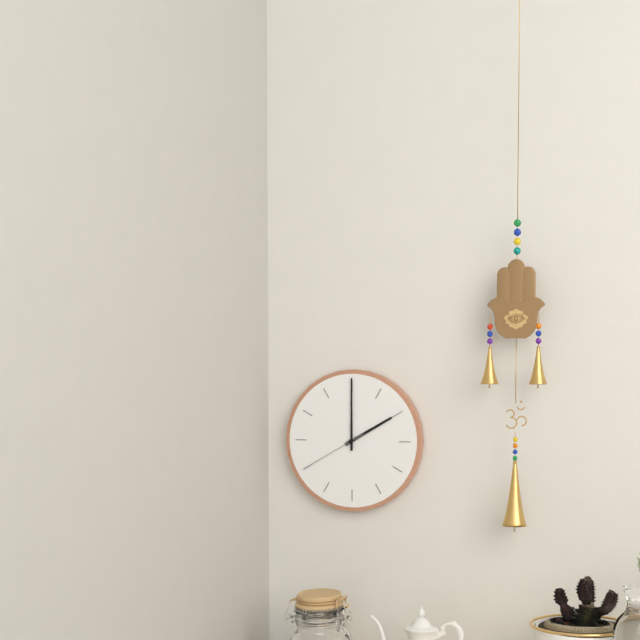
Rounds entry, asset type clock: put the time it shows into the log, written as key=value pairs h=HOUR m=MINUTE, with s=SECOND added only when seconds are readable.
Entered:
h=2 m=0 s=40
